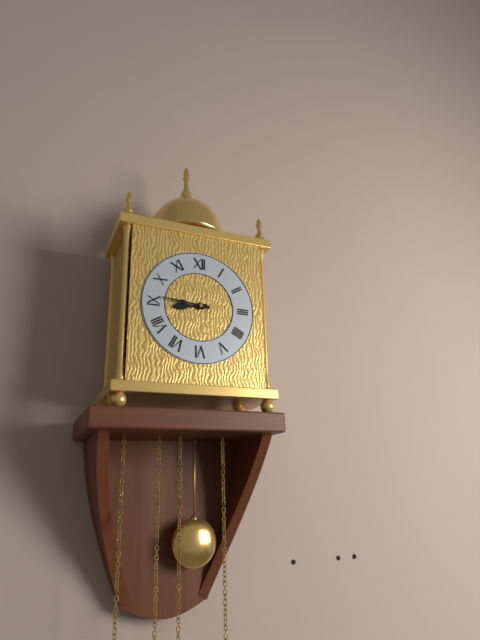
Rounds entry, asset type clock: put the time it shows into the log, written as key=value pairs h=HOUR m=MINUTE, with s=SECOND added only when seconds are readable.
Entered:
h=8 m=46
